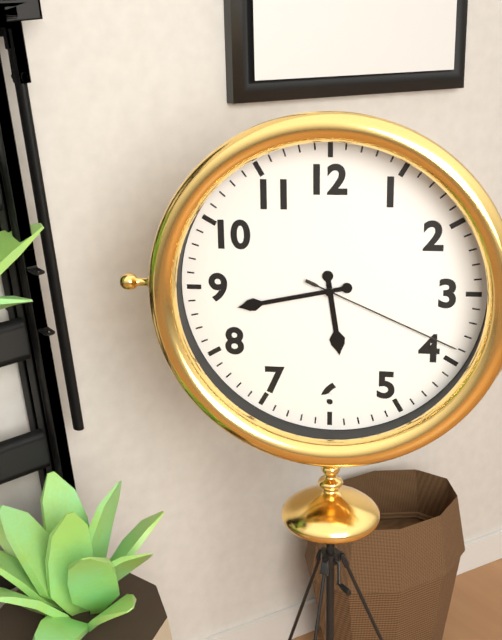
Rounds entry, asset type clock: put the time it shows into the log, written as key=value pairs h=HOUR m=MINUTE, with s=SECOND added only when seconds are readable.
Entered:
h=5 m=43 s=19
